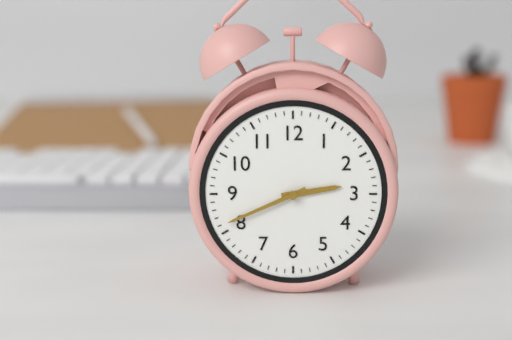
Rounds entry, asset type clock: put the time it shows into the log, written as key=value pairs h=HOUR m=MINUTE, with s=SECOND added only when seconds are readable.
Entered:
h=2 m=41
